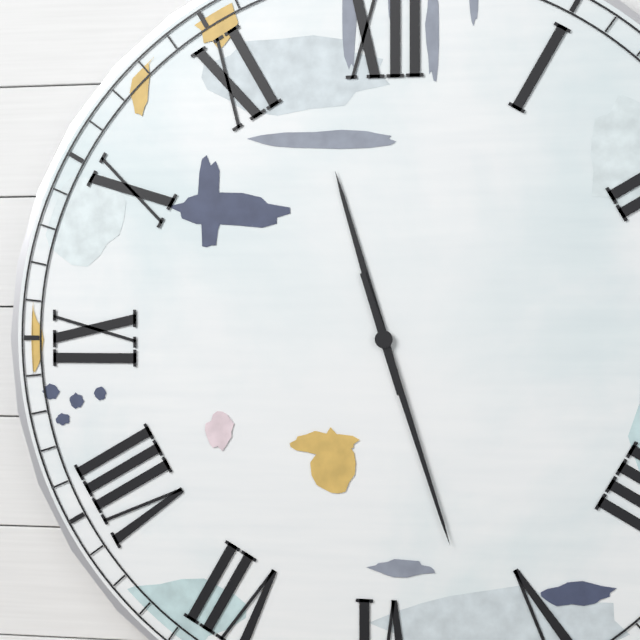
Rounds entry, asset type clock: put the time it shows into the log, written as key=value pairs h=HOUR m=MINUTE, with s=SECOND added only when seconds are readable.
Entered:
h=11 m=27
